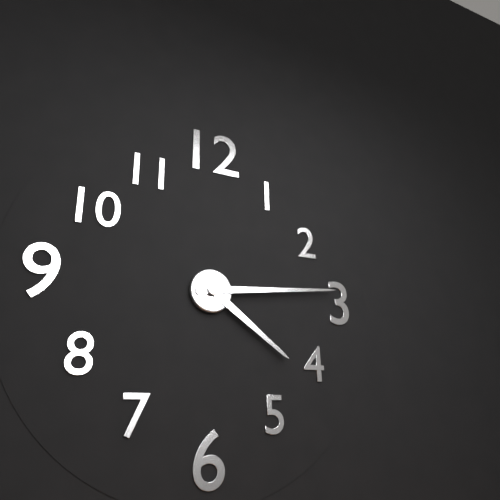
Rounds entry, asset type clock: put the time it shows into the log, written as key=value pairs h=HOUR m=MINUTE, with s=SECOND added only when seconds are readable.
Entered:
h=4 m=14
